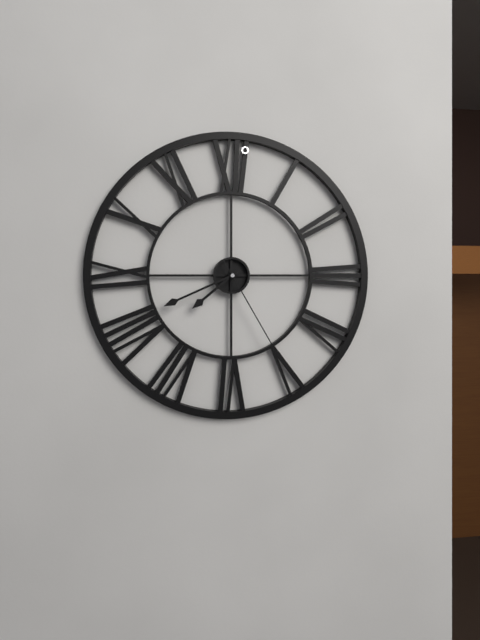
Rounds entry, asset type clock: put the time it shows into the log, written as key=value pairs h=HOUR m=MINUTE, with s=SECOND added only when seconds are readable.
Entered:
h=7 m=41 s=25
